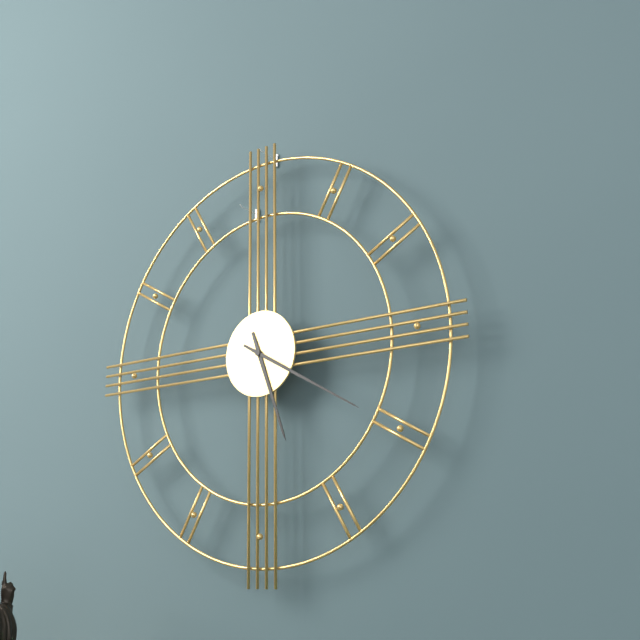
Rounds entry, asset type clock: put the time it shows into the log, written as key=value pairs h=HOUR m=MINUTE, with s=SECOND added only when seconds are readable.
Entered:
h=5 m=20
